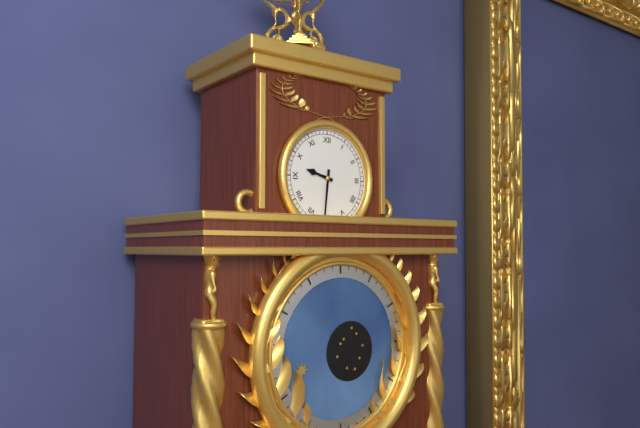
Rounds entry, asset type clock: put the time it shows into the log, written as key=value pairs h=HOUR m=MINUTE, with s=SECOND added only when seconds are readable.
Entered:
h=9 m=31
